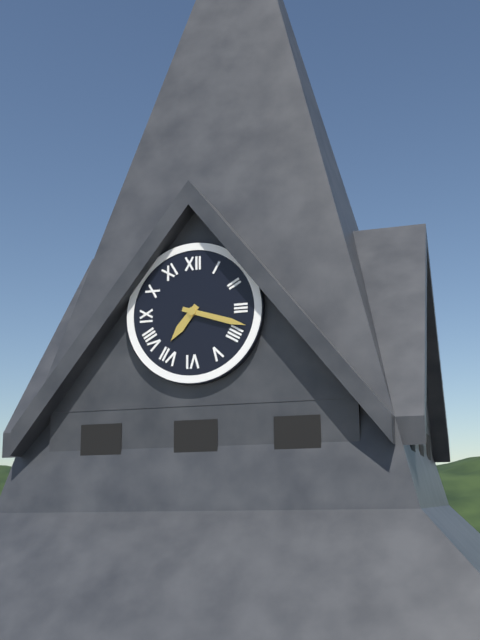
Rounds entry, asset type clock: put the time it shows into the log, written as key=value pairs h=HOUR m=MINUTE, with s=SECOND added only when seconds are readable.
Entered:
h=7 m=18
